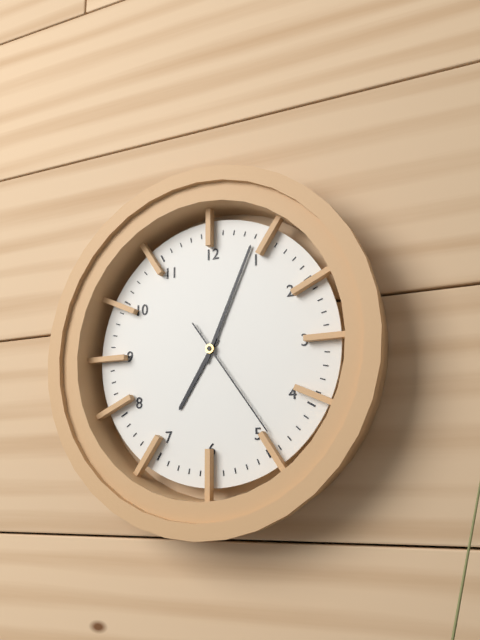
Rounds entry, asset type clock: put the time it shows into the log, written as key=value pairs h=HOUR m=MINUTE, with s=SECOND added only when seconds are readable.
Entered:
h=7 m=4 s=24
